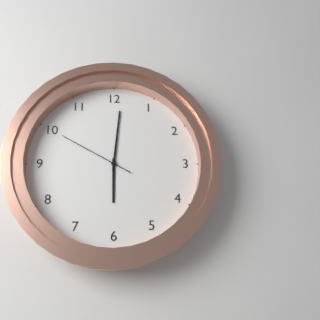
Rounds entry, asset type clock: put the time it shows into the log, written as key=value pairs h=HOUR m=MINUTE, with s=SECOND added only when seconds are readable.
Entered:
h=6 m=1 s=50
